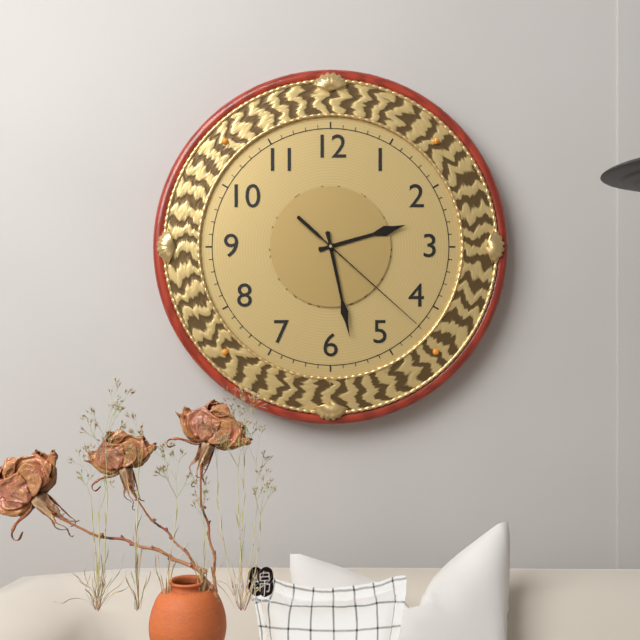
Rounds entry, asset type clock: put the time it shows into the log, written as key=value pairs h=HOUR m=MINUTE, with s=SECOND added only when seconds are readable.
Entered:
h=2 m=28 s=22
